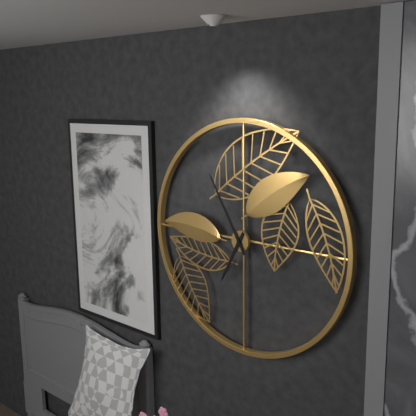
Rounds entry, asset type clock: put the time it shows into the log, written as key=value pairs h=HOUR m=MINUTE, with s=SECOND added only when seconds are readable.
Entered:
h=6 m=55
